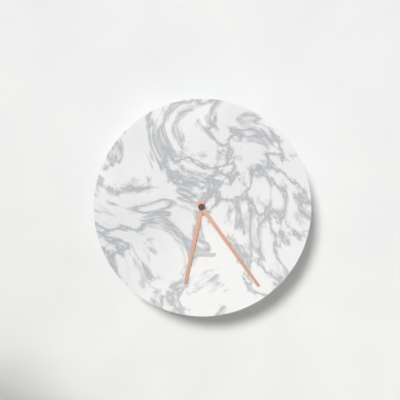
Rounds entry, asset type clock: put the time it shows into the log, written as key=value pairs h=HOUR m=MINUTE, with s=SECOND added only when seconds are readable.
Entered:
h=6 m=24
